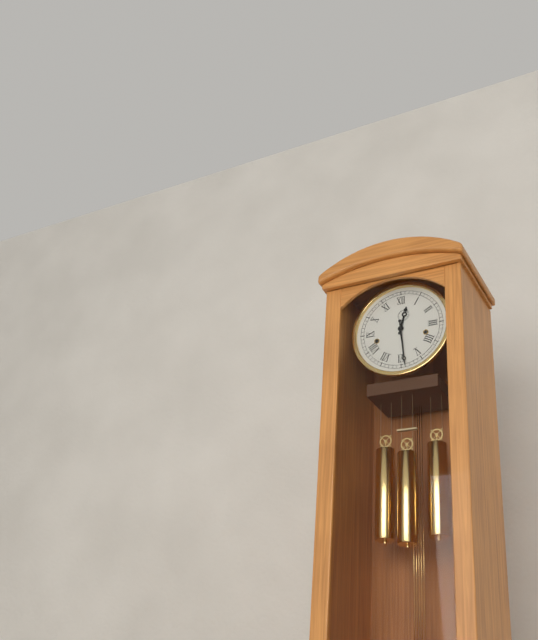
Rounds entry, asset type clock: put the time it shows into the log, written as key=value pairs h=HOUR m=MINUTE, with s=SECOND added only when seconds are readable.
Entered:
h=12 m=29
